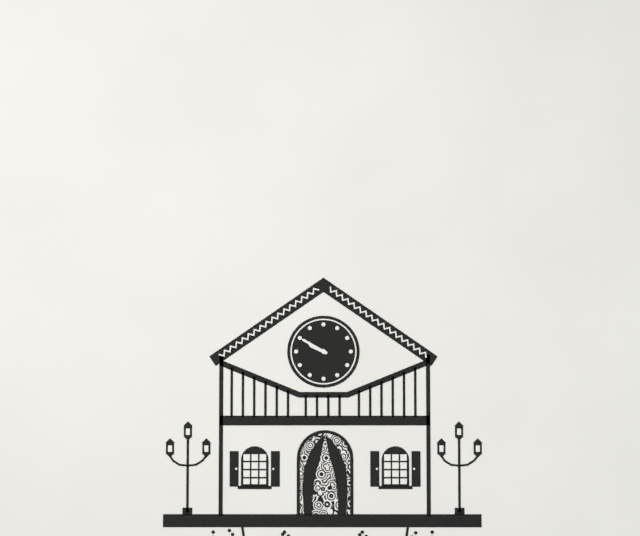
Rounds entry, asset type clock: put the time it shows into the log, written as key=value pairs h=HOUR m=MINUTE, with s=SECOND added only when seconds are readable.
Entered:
h=9 m=50
